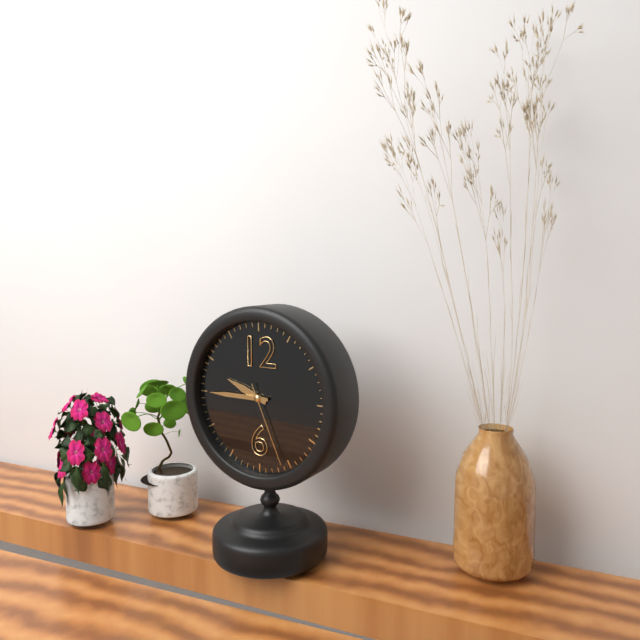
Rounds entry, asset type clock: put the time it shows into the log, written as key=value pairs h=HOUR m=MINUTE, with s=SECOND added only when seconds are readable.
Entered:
h=9 m=45 s=26
